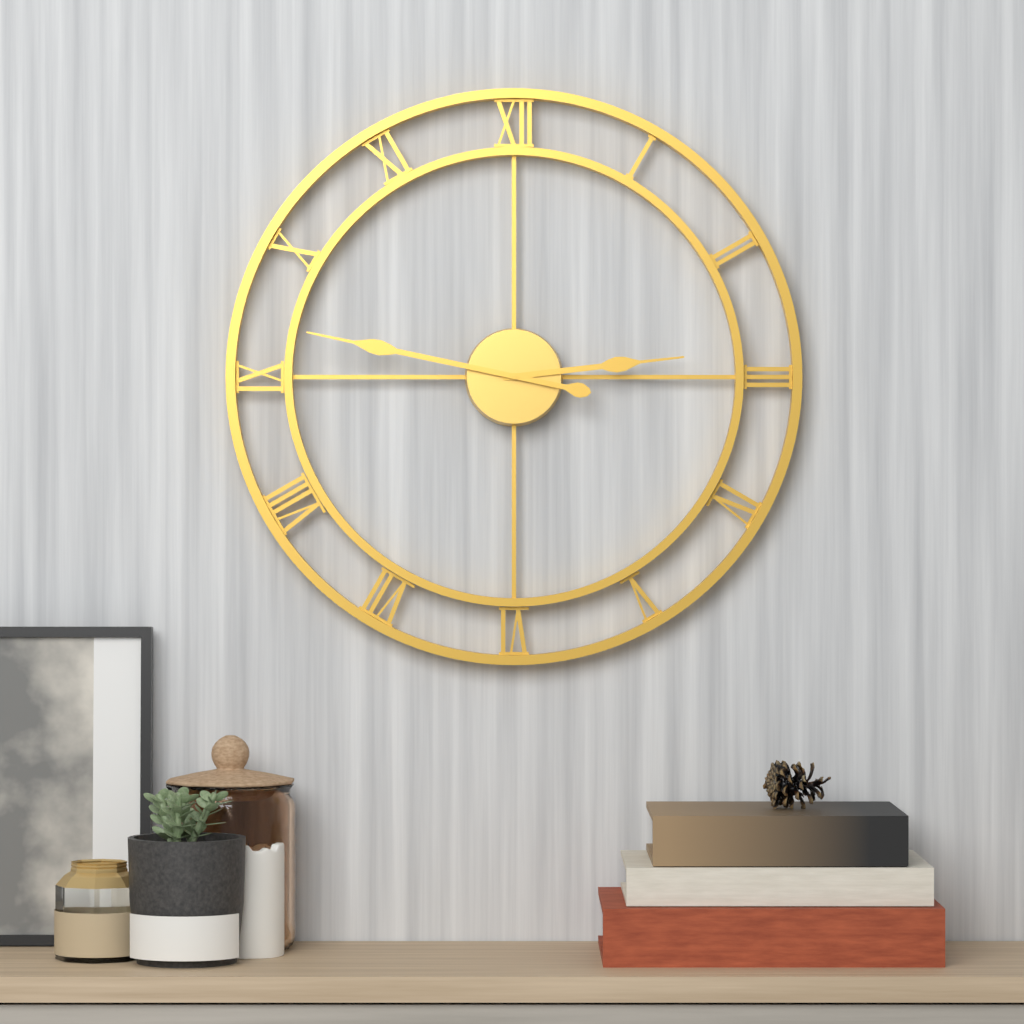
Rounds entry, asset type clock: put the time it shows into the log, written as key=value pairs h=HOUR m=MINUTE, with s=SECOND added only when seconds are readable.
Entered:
h=2 m=47
